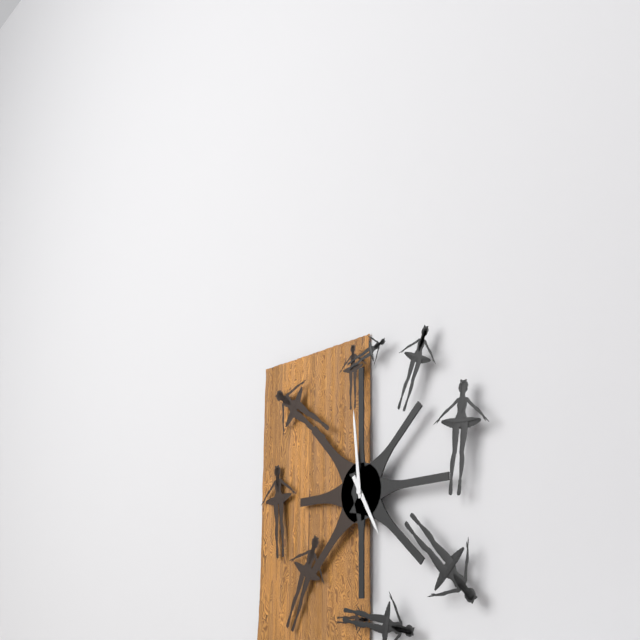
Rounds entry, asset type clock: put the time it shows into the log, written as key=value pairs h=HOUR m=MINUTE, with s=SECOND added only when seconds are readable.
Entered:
h=4 m=59
